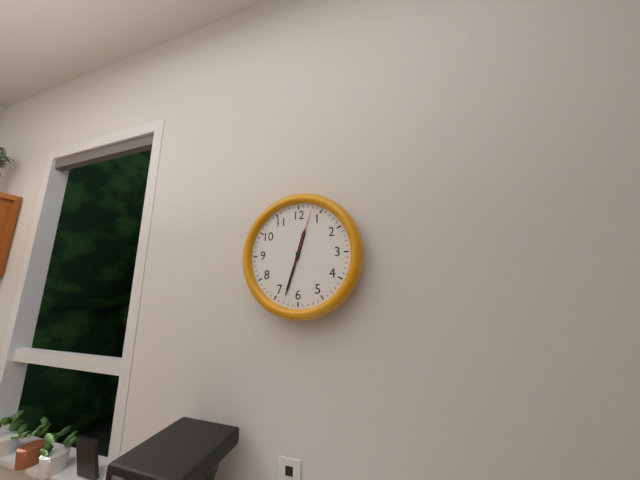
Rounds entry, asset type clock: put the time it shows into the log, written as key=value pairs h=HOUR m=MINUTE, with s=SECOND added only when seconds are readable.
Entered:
h=12 m=33 s=3
